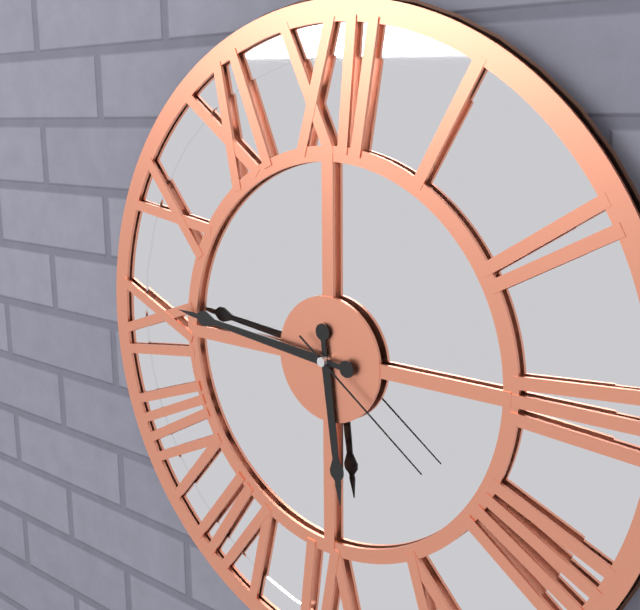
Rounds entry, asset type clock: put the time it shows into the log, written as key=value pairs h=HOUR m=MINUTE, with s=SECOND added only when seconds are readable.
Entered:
h=5 m=46 s=21
